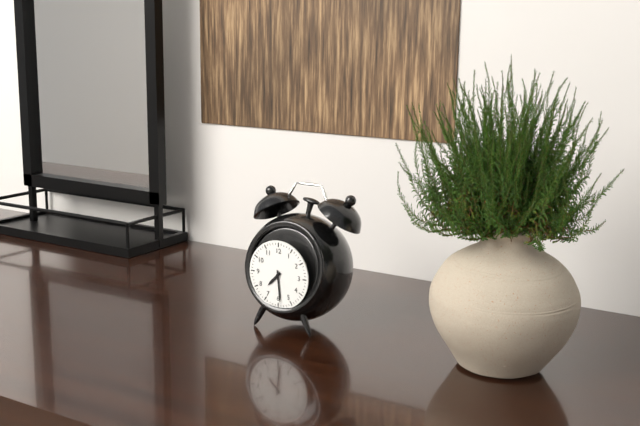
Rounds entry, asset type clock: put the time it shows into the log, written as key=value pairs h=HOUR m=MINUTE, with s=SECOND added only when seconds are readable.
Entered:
h=7 m=29
